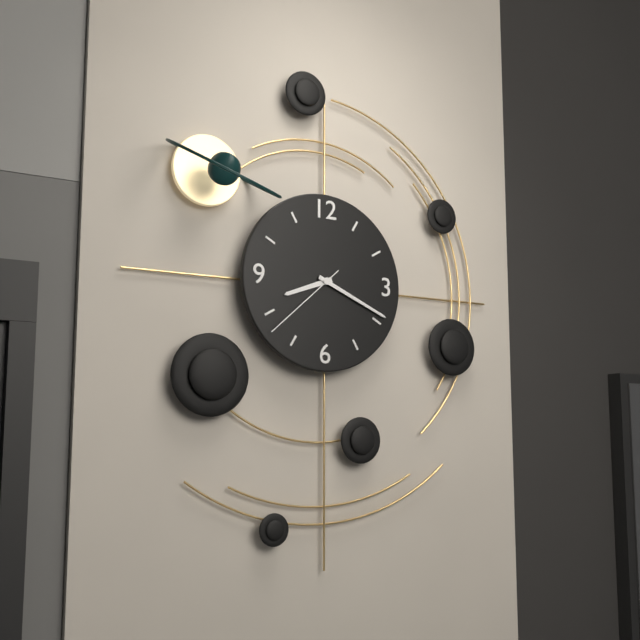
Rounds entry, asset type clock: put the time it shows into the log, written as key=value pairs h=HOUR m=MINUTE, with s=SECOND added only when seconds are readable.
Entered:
h=8 m=19 s=38
